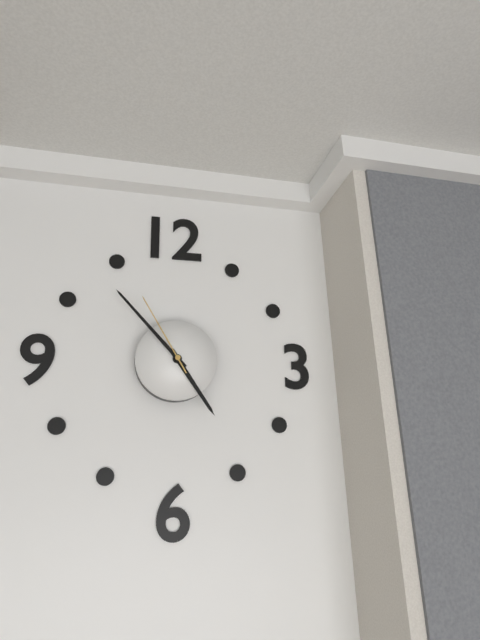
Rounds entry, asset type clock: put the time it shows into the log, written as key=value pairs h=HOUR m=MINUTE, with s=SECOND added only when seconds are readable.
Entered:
h=4 m=53 s=55
